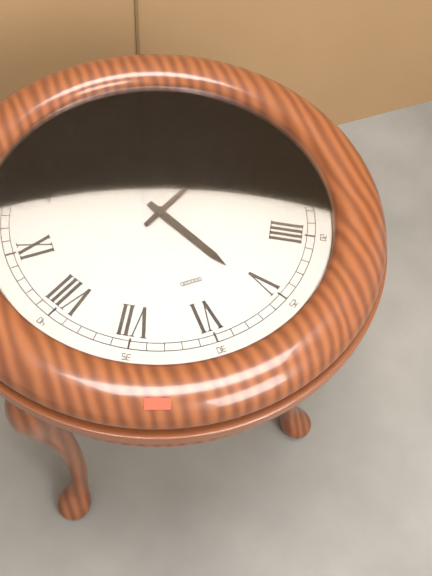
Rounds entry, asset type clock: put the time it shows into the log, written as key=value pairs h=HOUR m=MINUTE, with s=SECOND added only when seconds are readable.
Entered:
h=5 m=10
